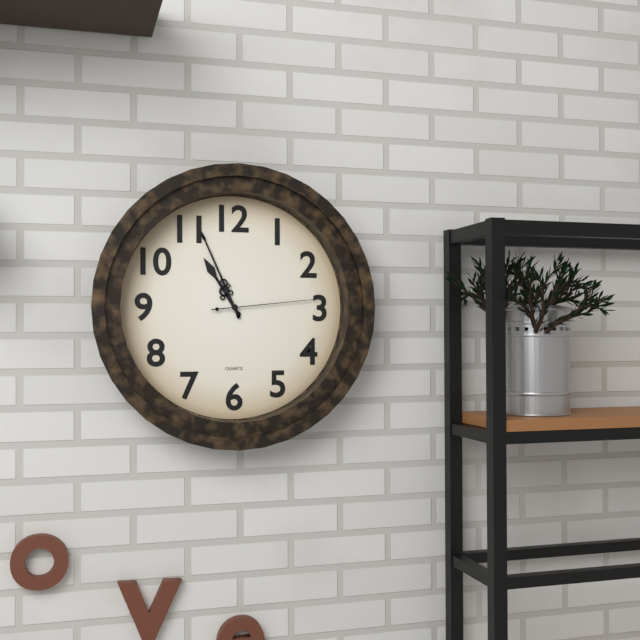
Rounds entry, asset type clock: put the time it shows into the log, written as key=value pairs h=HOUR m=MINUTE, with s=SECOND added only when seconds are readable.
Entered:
h=10 m=56 s=14
